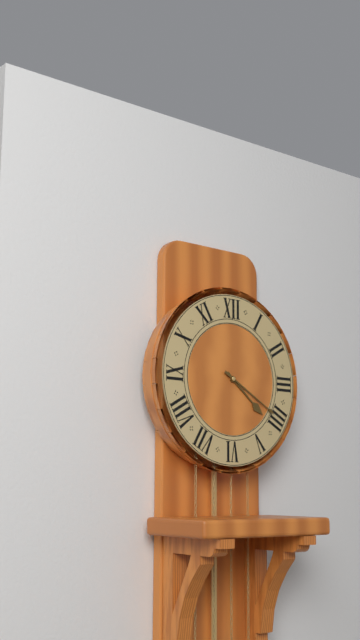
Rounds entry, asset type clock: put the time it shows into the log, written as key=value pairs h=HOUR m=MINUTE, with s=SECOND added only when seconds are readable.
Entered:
h=4 m=20
